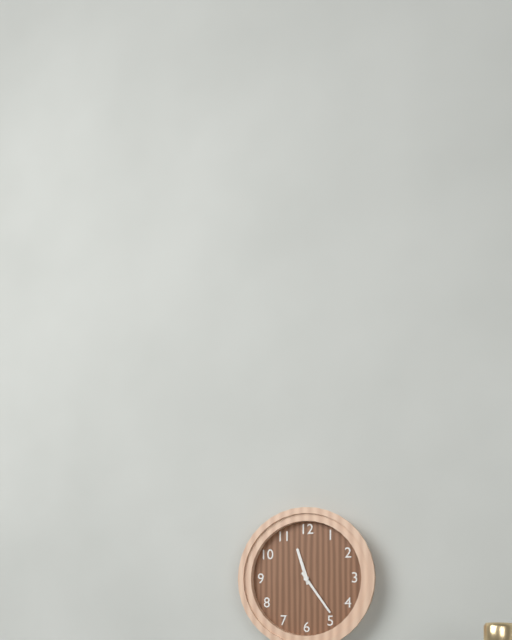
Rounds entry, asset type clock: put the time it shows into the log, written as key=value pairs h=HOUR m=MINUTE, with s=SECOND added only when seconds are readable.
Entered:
h=11 m=24
